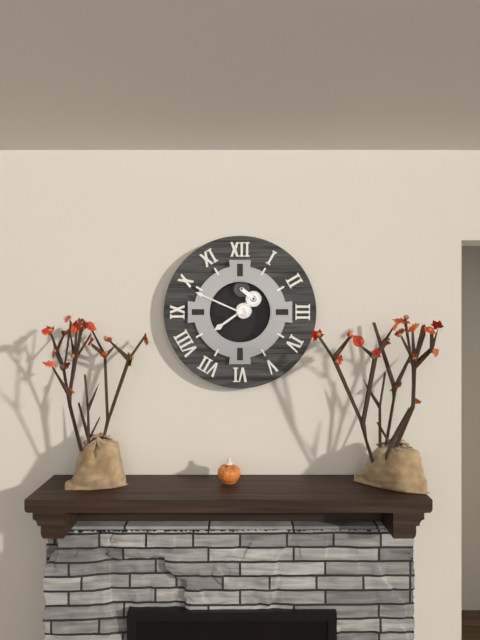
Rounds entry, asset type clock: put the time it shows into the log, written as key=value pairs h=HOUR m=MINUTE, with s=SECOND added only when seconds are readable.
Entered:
h=7 m=49
